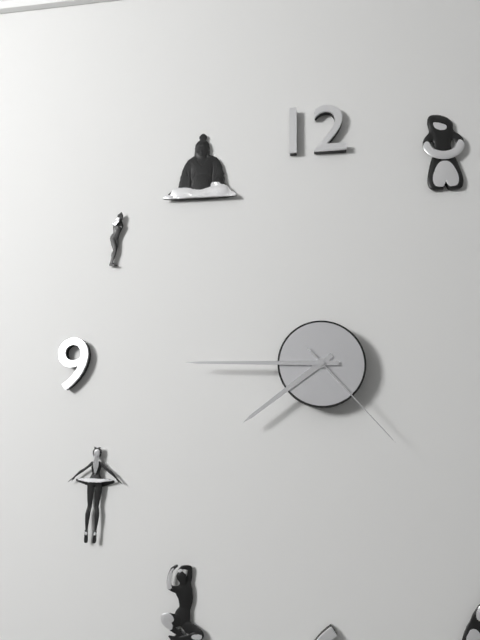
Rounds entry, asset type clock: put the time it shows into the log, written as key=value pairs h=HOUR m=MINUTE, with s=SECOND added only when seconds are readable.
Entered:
h=7 m=45 s=23
